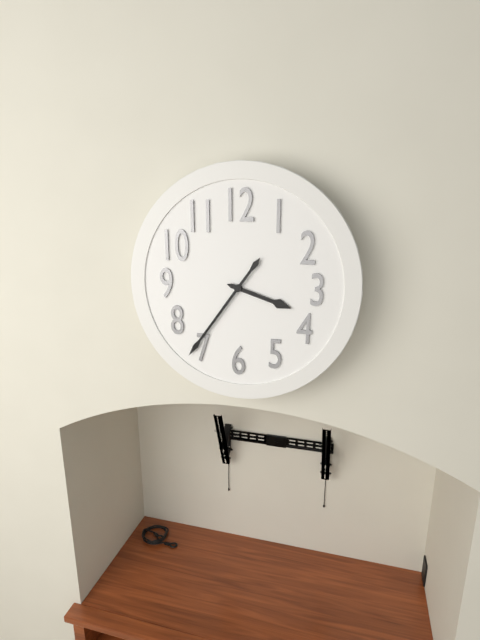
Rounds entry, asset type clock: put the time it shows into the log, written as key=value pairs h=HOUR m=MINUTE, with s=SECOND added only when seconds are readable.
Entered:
h=3 m=36
